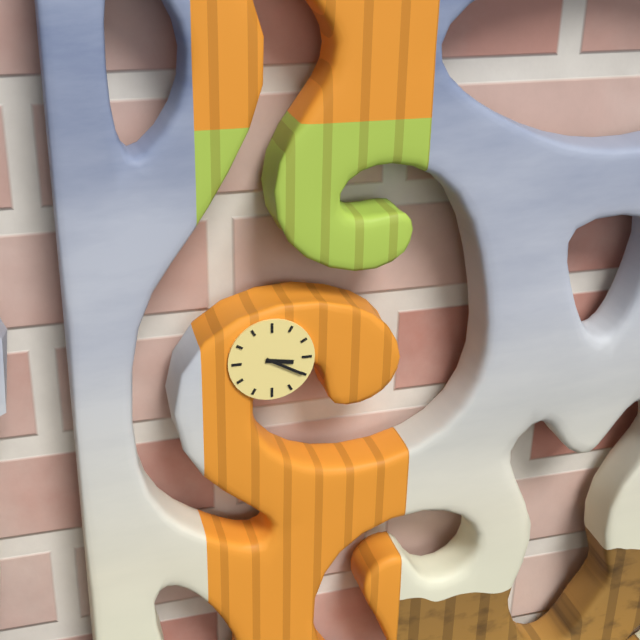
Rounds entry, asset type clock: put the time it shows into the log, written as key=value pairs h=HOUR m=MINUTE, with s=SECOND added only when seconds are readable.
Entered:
h=3 m=20
